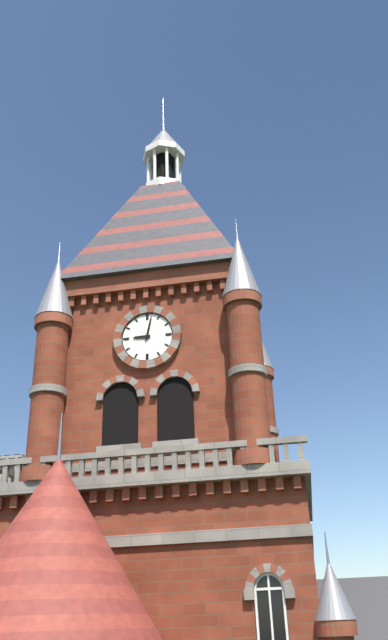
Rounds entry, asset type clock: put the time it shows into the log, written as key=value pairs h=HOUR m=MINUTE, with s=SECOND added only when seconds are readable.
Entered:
h=9 m=2
